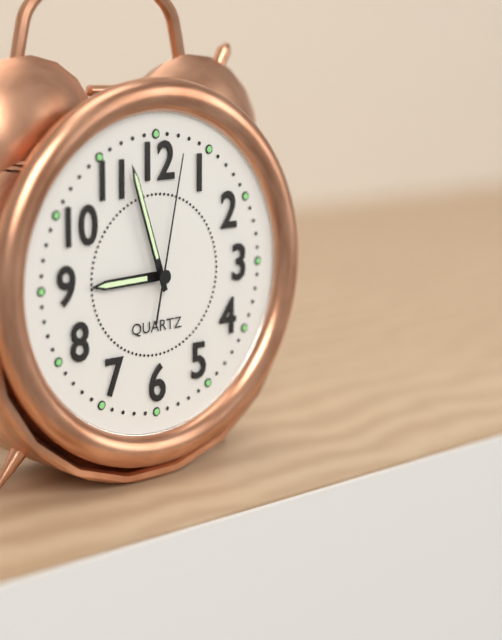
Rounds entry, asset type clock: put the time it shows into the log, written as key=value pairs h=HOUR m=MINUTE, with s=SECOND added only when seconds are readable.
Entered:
h=8 m=57 s=2
